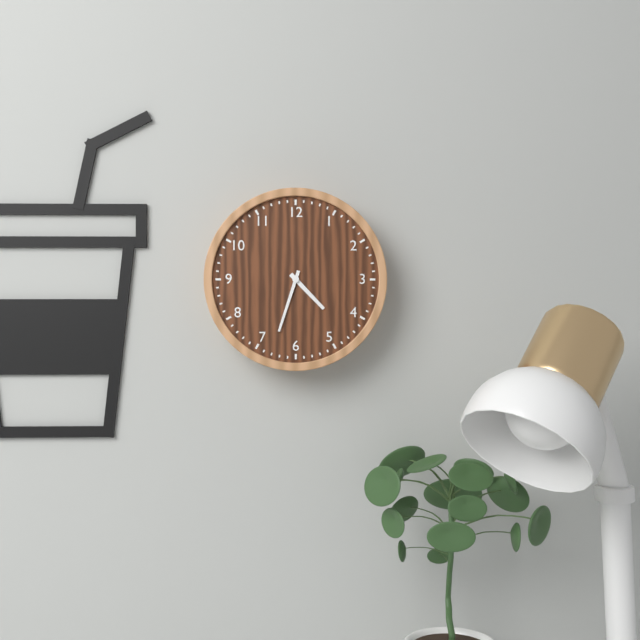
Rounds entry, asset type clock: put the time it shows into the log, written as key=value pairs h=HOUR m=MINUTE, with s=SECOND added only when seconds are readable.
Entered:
h=4 m=33
